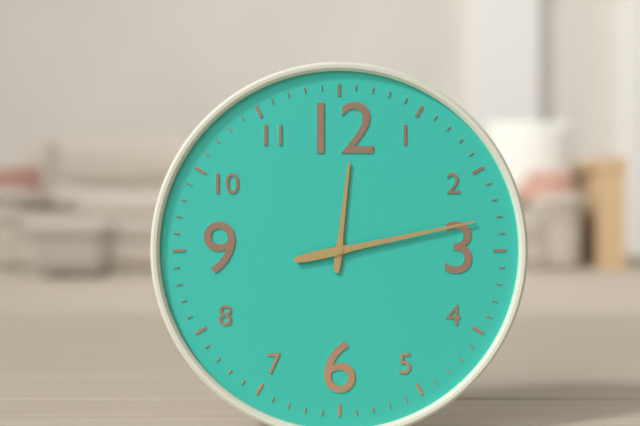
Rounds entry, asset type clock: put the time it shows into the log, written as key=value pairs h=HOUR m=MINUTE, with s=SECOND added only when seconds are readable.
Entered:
h=12 m=13
